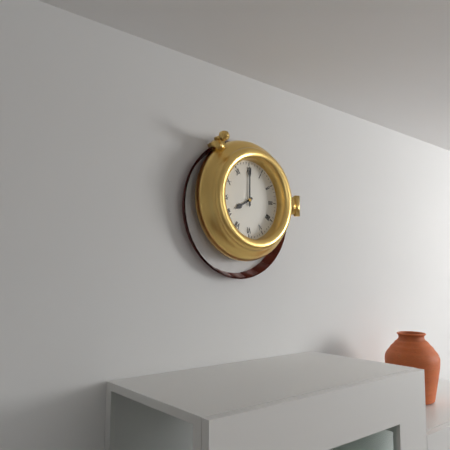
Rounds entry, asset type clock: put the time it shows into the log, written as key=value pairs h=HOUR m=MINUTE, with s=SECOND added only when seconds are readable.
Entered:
h=8 m=0
